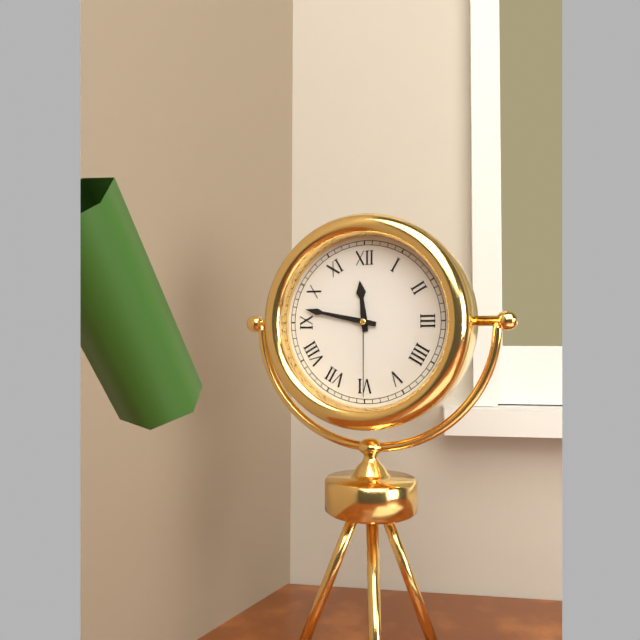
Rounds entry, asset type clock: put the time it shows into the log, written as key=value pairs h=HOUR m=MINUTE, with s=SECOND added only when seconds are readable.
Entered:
h=11 m=47 s=30
